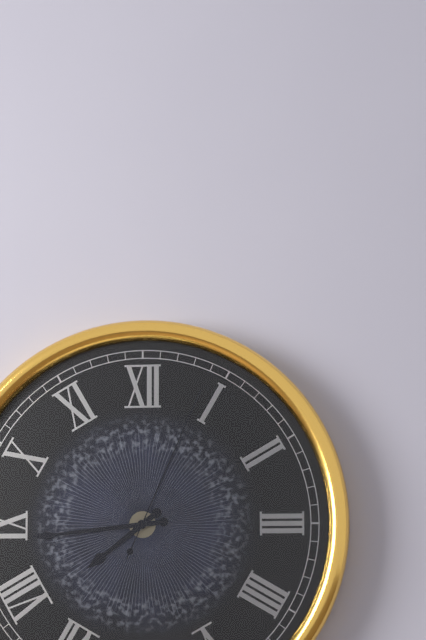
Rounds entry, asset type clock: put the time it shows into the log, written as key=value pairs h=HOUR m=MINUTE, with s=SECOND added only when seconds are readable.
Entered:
h=7 m=44 s=4
